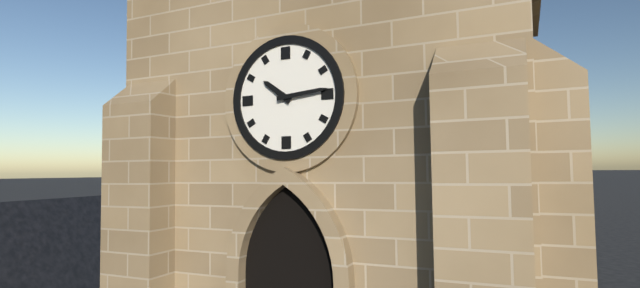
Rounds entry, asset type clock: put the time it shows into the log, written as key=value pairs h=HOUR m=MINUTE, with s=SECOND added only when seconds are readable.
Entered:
h=10 m=14
